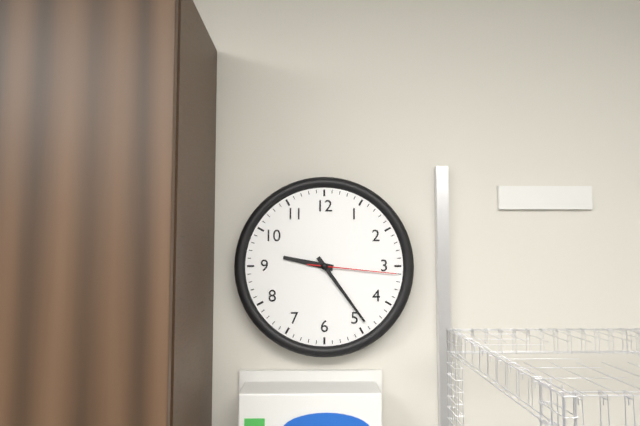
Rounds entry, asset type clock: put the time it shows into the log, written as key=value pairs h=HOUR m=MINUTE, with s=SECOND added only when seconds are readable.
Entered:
h=9 m=24 s=16
